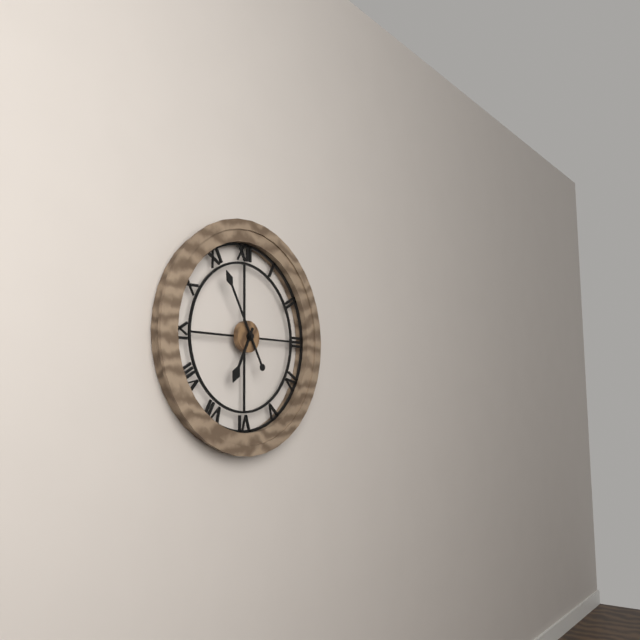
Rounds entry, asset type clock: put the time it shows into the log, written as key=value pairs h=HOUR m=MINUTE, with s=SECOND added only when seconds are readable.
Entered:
h=6 m=55
